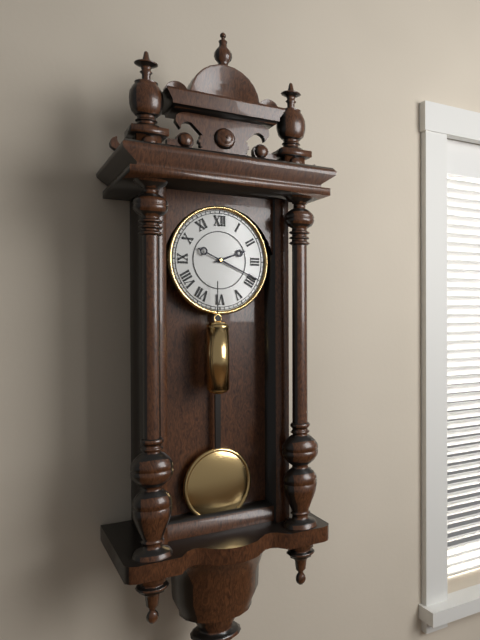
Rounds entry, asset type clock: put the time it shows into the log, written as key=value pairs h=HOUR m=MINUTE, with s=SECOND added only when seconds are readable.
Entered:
h=2 m=19
